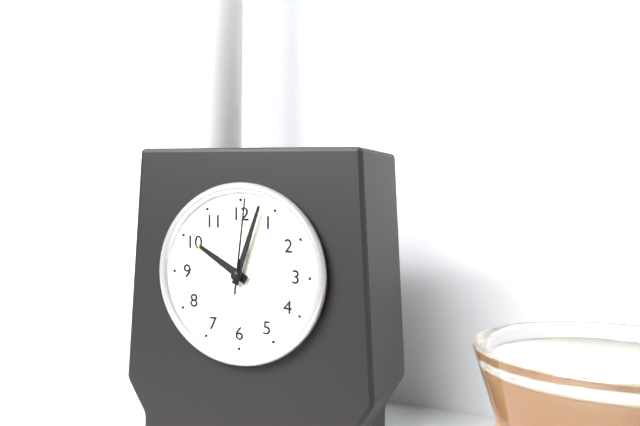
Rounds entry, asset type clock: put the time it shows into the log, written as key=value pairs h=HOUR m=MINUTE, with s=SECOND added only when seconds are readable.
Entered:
h=10 m=3 s=1
